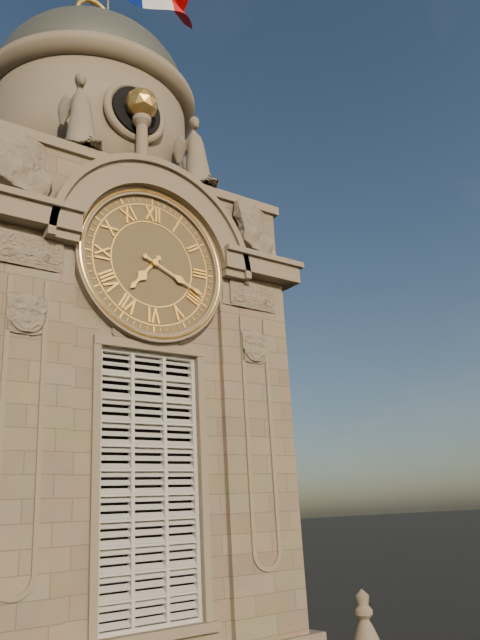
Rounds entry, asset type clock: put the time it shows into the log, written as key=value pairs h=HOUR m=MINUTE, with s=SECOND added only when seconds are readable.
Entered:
h=7 m=19
